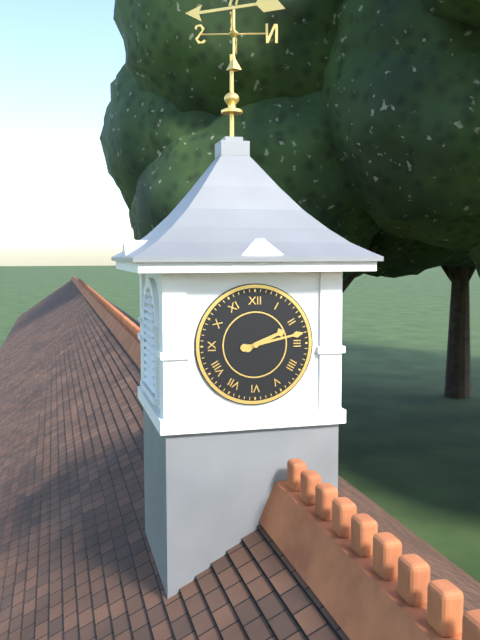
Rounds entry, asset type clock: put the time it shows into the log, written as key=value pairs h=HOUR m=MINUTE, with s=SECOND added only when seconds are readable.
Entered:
h=2 m=13
